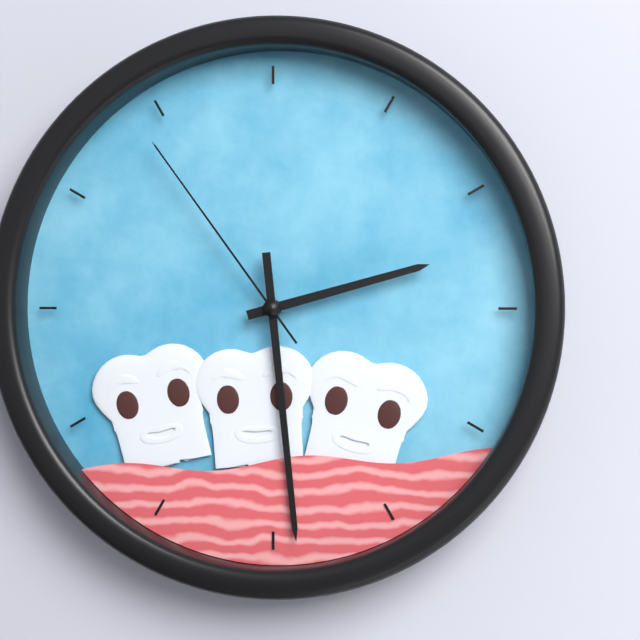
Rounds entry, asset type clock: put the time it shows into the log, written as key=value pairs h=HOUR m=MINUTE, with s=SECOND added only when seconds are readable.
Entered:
h=2 m=29 s=54
